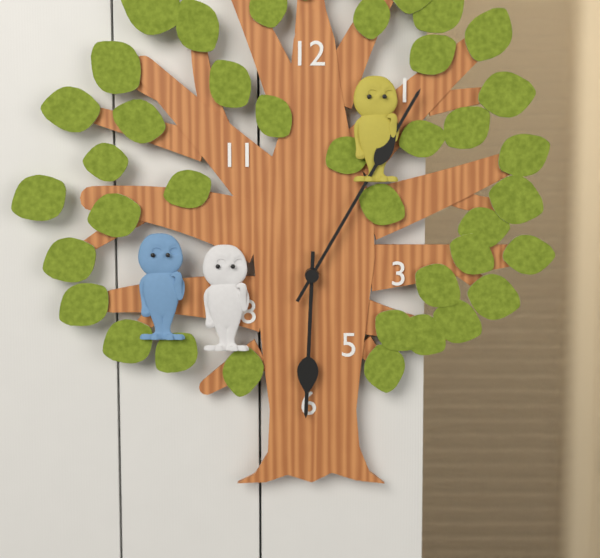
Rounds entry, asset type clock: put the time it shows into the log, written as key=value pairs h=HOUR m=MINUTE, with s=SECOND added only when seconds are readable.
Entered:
h=6 m=5
